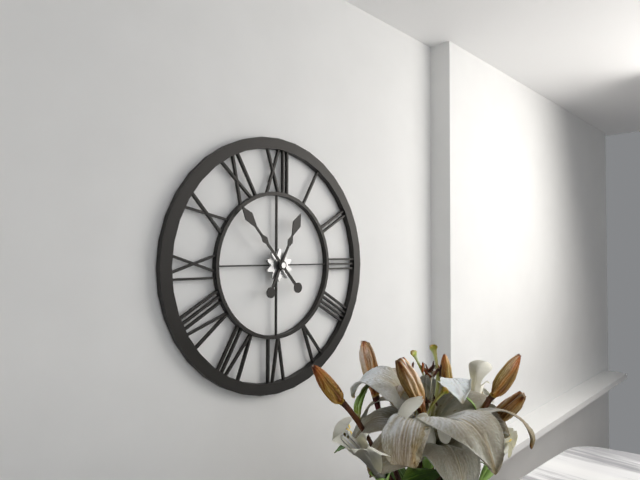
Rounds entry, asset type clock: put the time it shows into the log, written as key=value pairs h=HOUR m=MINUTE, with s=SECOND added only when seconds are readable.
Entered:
h=12 m=53
